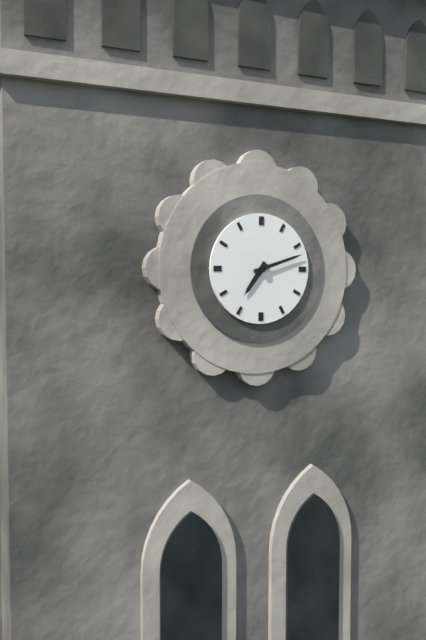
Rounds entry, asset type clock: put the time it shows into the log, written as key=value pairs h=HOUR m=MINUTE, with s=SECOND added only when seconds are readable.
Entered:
h=7 m=12
